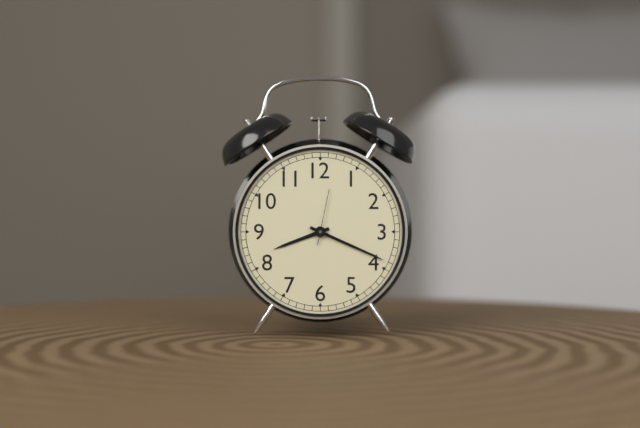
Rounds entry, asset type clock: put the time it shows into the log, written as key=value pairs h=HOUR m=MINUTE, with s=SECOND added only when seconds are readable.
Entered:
h=8 m=19 s=2
